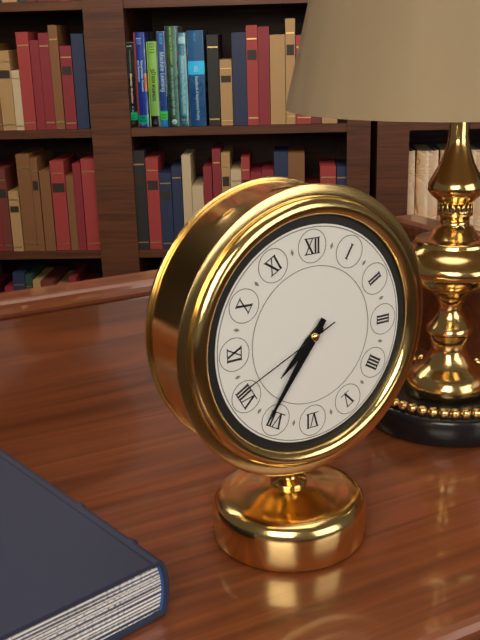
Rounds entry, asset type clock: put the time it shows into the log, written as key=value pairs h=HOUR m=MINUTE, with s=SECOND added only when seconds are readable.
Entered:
h=7 m=36 s=41
